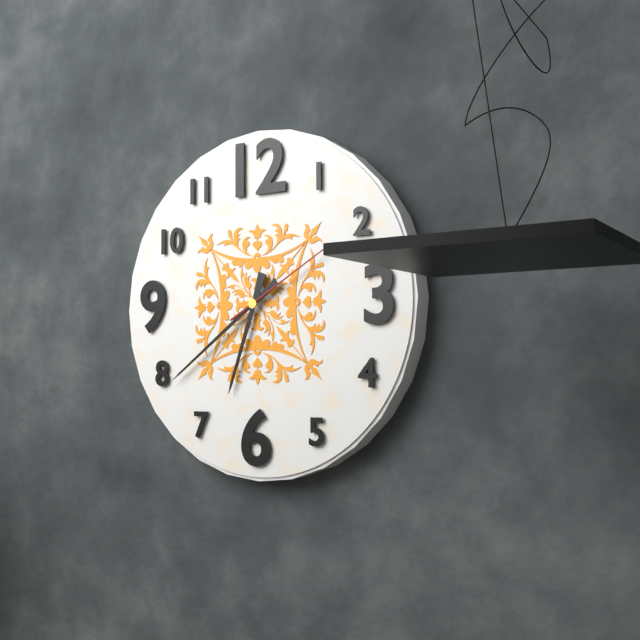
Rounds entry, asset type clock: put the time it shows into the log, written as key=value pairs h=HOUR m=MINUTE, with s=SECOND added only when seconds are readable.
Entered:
h=6 m=39 s=10
